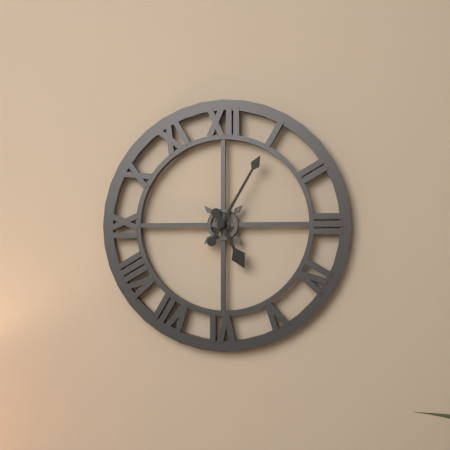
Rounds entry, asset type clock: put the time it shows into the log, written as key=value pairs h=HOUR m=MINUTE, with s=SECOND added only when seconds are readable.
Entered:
h=5 m=5
